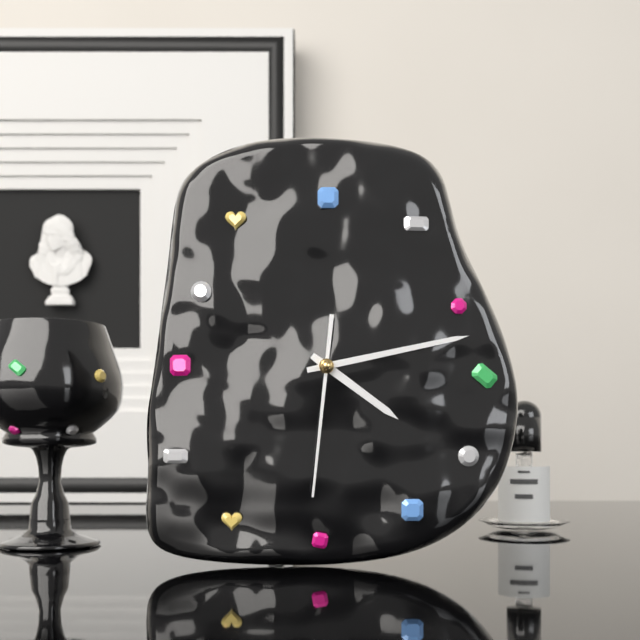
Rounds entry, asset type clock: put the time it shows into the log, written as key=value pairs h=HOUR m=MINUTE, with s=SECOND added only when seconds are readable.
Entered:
h=4 m=13 s=31
